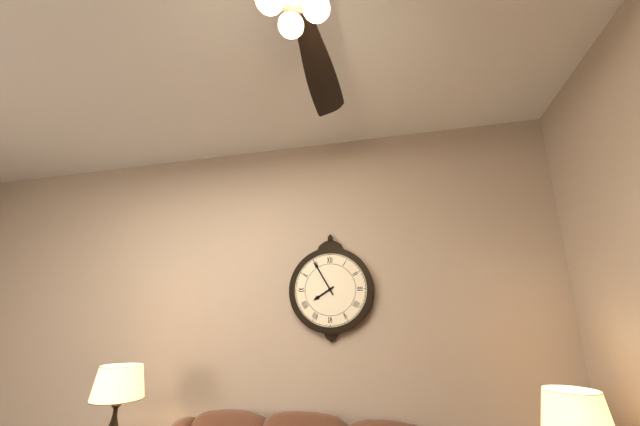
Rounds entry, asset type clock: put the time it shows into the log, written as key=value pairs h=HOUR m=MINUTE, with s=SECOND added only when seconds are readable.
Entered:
h=7 m=55
